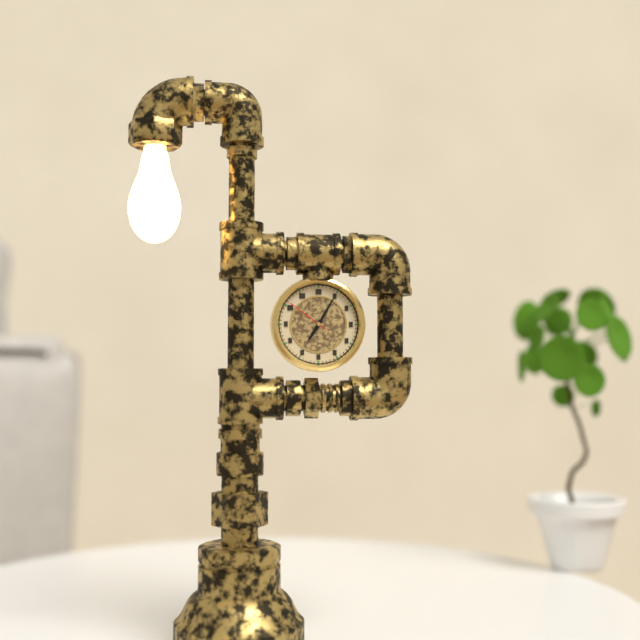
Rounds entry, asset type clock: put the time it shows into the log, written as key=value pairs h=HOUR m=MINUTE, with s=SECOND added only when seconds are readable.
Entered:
h=7 m=5
